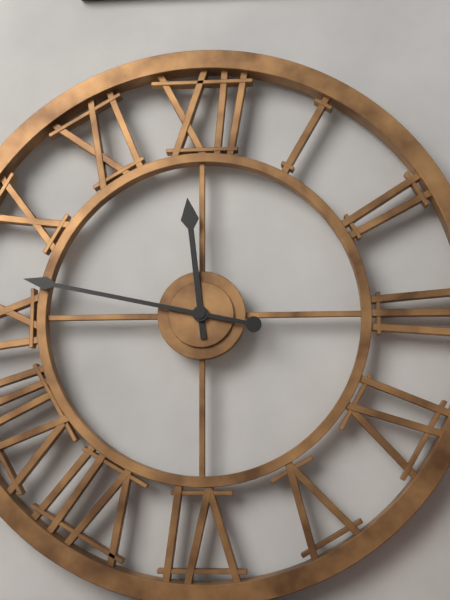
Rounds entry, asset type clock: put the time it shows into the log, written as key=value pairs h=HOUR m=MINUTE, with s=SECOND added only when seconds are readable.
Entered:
h=11 m=47
